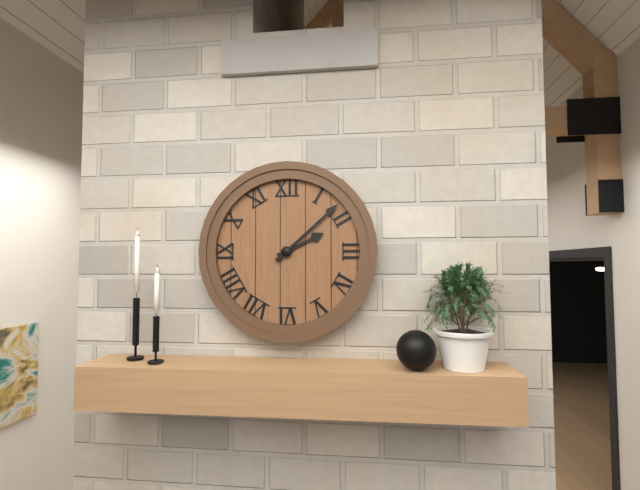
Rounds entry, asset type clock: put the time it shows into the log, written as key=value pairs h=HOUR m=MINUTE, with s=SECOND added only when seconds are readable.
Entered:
h=2 m=8
